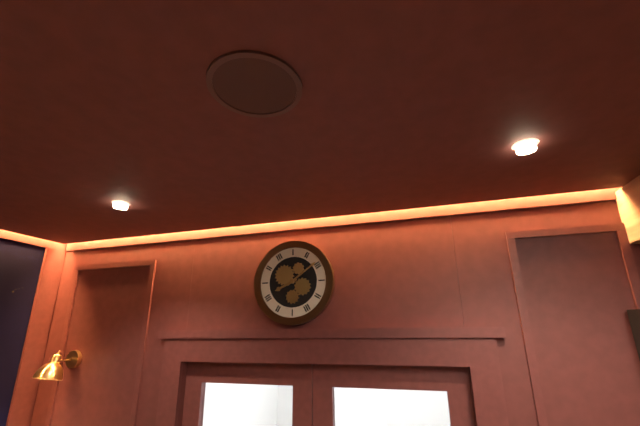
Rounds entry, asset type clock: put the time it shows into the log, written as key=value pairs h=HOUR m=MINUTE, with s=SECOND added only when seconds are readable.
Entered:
h=8 m=9
